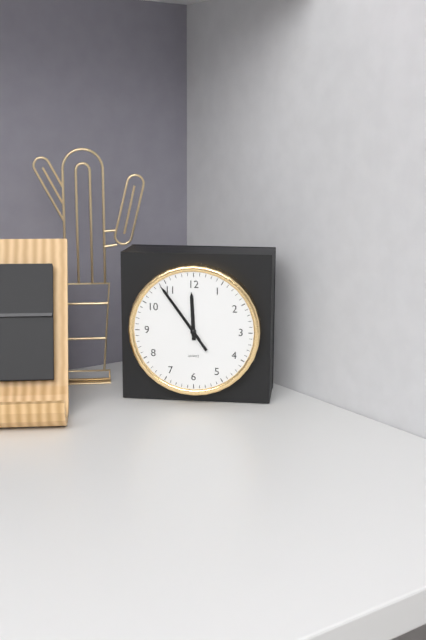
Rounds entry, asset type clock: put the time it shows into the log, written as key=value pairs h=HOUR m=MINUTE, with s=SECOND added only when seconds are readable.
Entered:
h=11 m=54 s=54
